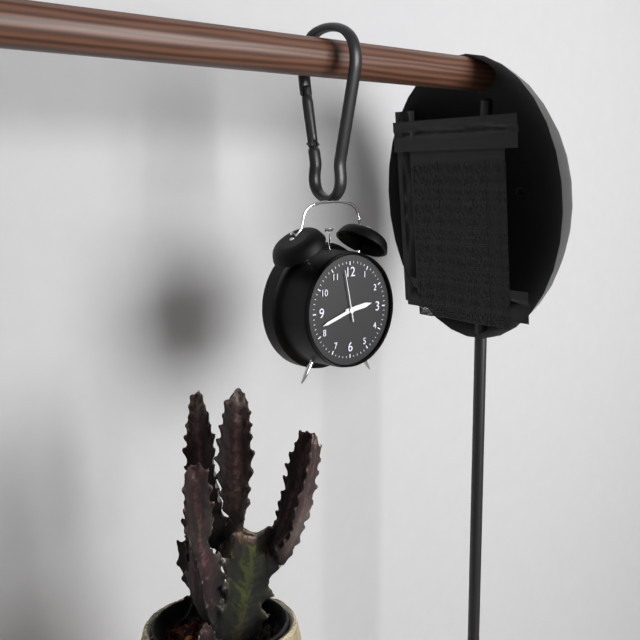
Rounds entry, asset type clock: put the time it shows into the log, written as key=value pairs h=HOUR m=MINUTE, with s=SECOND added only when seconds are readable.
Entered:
h=2 m=42 s=58
